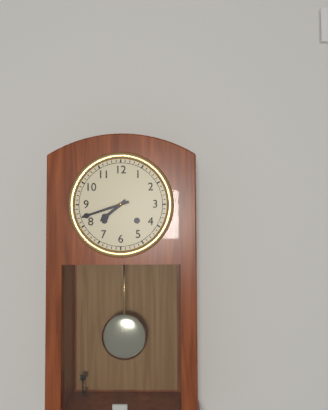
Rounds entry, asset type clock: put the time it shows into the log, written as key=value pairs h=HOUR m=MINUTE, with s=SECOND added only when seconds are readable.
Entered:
h=7 m=42
